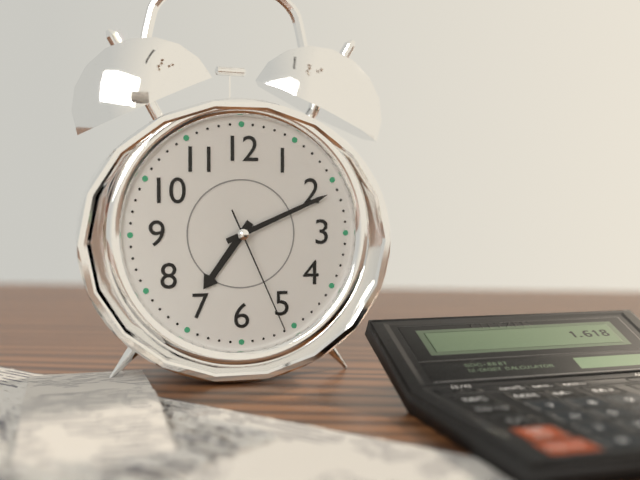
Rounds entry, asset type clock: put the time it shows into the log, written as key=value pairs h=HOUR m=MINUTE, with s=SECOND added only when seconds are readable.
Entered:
h=7 m=11 s=26
